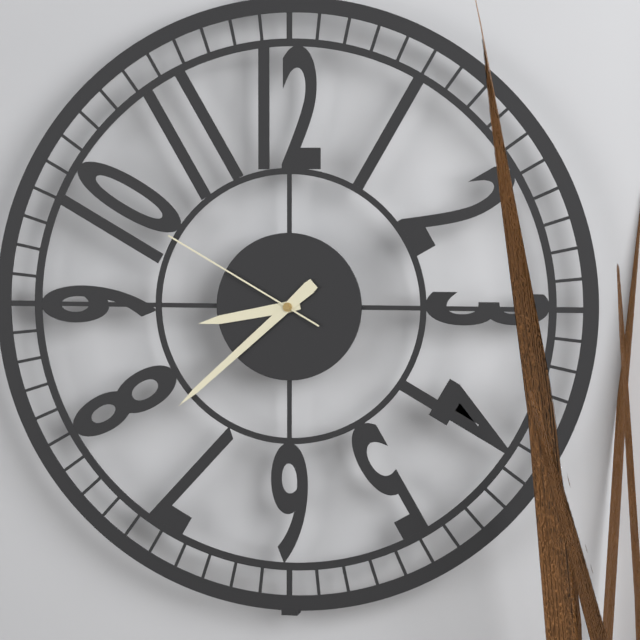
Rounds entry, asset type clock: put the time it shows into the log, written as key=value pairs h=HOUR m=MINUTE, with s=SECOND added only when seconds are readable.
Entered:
h=8 m=38 s=50
